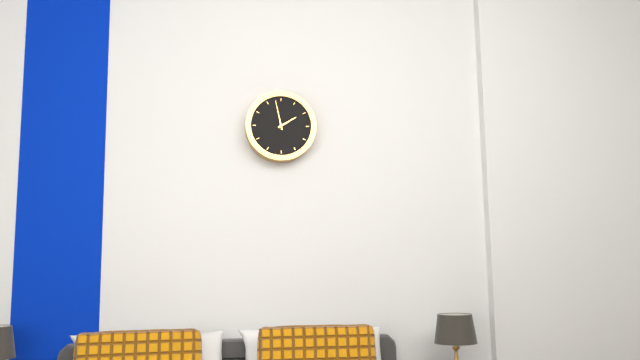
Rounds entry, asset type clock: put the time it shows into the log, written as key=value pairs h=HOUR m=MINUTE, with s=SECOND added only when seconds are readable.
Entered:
h=1 m=58
